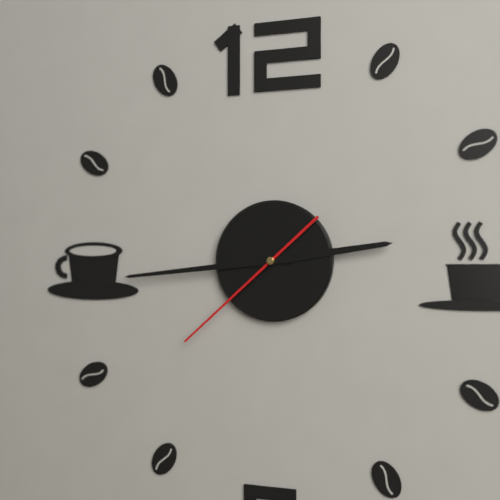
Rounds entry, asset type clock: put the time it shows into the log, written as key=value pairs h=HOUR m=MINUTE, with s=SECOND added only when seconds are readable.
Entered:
h=2 m=44 s=38
